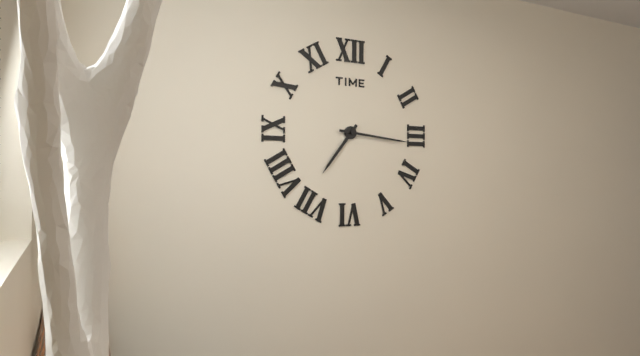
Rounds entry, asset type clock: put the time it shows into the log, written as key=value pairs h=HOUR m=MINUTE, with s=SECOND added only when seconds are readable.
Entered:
h=7 m=16
